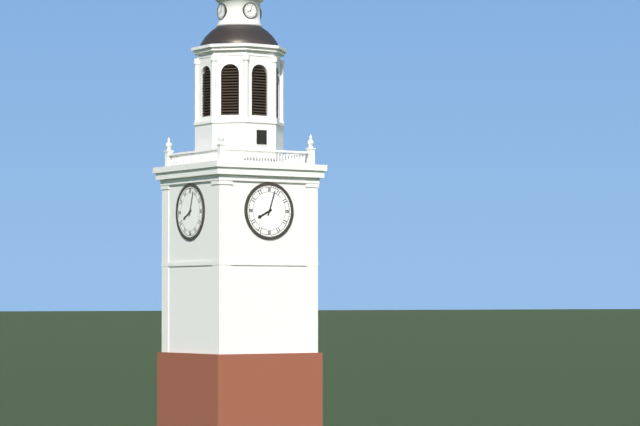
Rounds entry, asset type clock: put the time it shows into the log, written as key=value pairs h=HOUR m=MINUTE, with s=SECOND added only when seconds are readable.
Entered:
h=8 m=3
